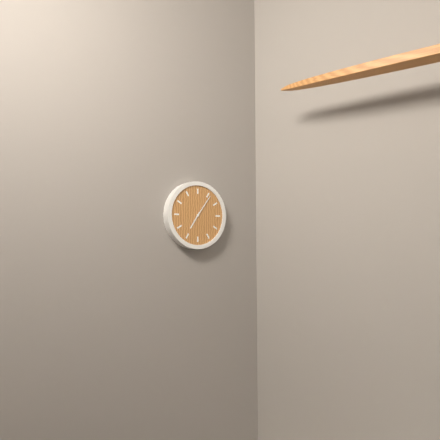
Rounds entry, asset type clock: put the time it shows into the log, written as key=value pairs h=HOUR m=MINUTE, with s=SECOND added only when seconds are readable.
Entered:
h=7 m=6
